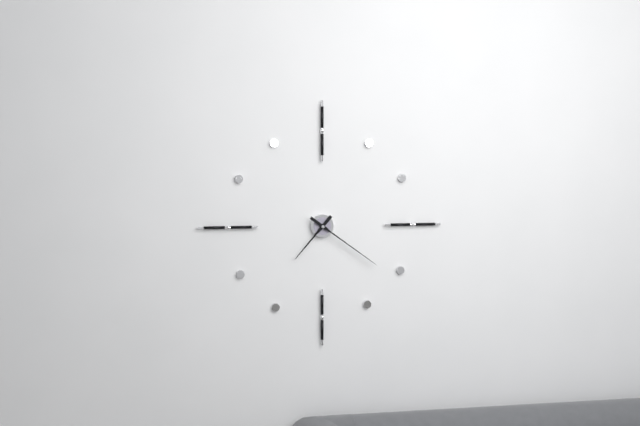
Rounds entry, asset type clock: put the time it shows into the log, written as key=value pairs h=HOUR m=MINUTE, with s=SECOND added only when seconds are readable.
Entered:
h=7 m=21
